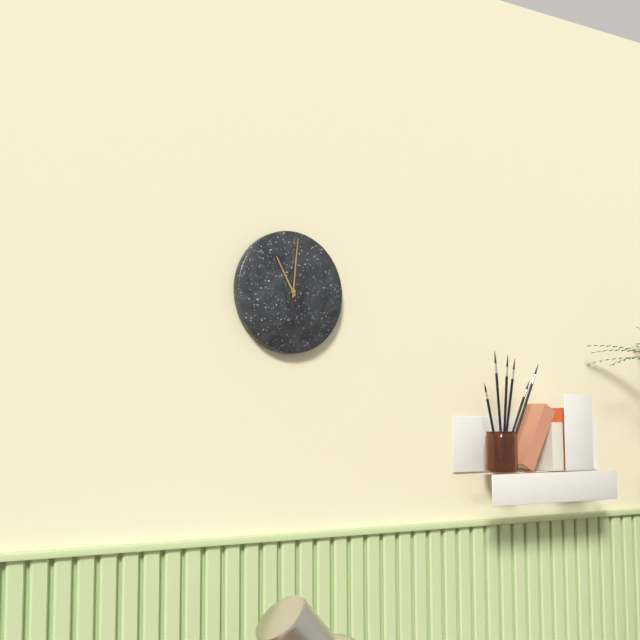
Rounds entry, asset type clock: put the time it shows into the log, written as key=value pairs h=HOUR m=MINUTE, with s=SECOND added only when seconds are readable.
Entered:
h=11 m=1
